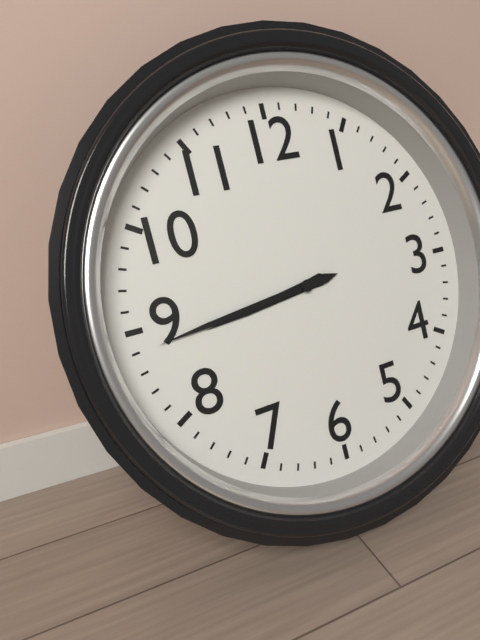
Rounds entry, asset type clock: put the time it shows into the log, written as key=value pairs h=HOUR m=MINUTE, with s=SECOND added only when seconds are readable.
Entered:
h=8 m=44
